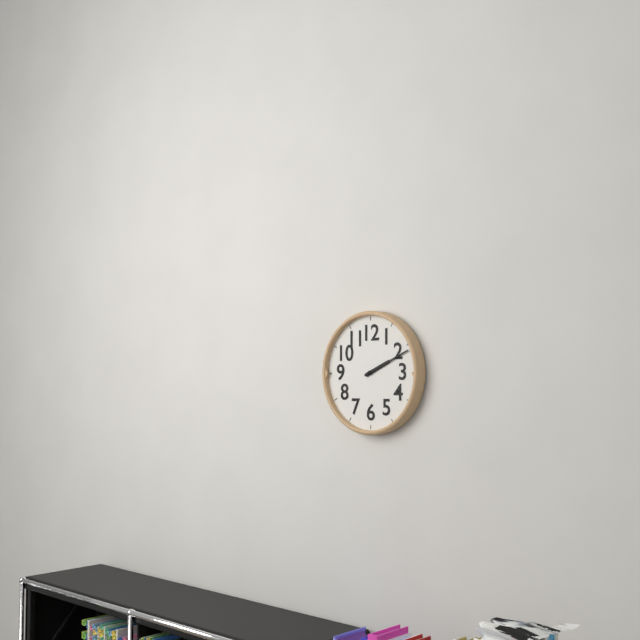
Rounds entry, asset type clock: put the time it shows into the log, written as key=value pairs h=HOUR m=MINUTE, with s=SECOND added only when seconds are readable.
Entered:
h=2 m=11
